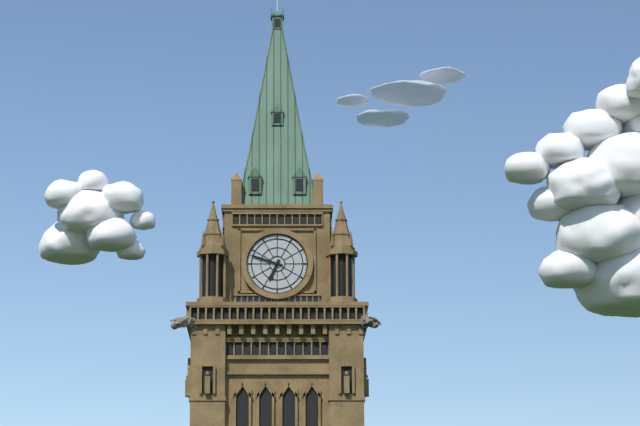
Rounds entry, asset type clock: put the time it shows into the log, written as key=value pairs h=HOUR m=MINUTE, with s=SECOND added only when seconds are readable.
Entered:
h=6 m=48
